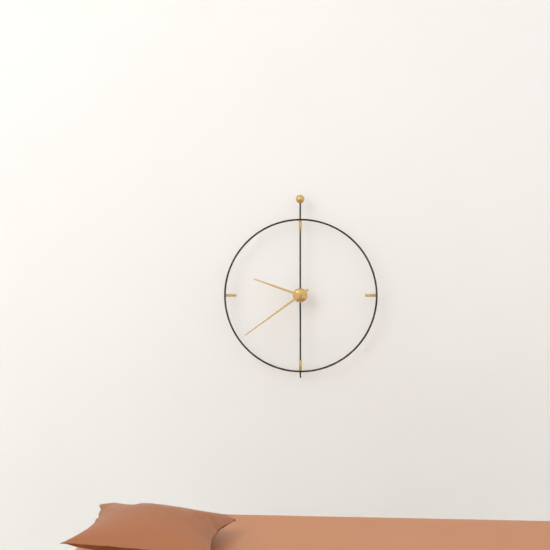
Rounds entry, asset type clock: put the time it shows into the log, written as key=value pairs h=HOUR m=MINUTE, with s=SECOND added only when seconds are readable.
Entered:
h=9 m=39
